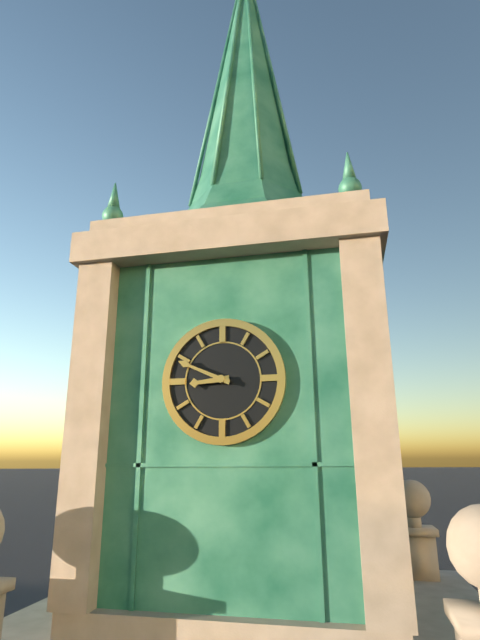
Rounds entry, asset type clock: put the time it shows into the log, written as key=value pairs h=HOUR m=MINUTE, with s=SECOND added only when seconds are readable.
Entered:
h=8 m=49
